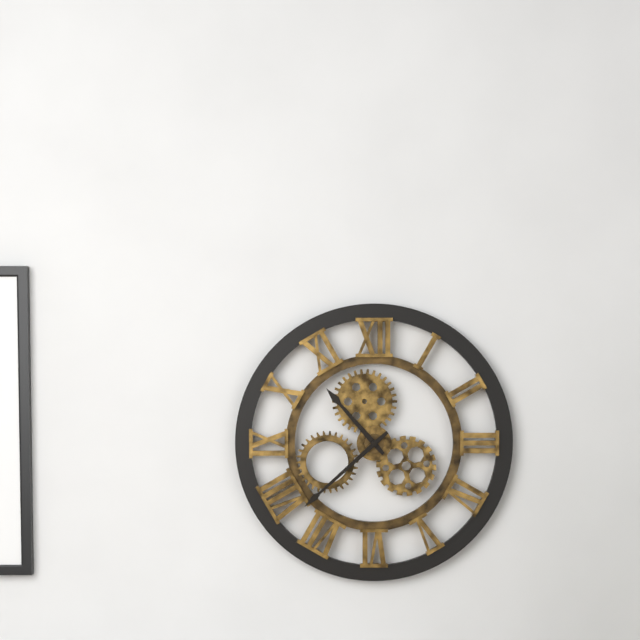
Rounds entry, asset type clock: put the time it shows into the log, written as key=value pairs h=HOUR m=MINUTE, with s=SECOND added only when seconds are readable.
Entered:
h=10 m=38
